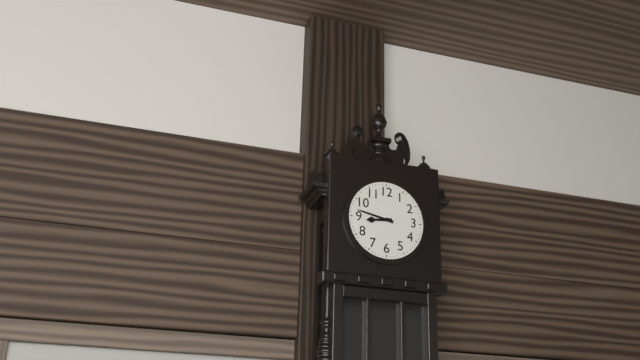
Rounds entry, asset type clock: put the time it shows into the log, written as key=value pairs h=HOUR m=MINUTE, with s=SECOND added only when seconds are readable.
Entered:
h=8 m=47
